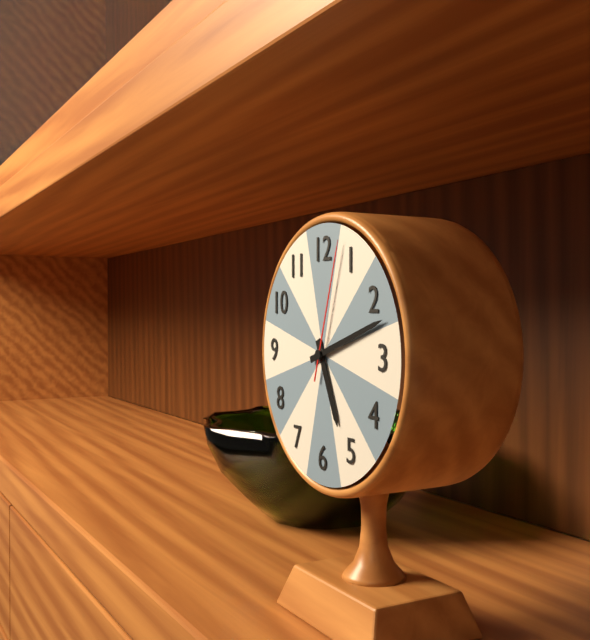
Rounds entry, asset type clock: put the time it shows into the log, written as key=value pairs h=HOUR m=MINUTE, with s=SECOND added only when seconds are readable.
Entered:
h=5 m=12 s=3
